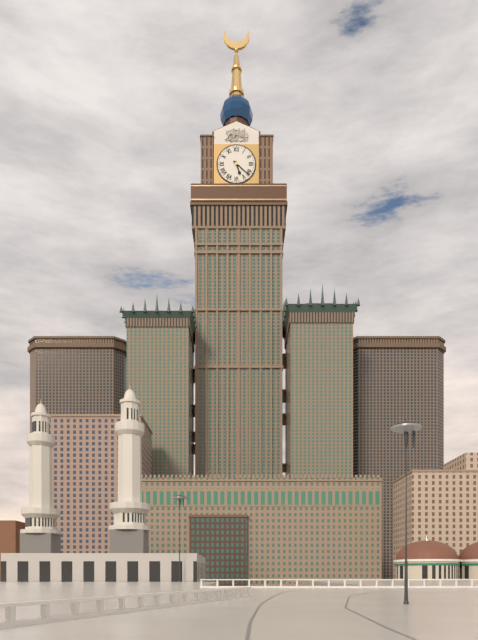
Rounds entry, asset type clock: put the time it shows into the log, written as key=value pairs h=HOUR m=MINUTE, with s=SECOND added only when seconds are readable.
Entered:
h=5 m=22
